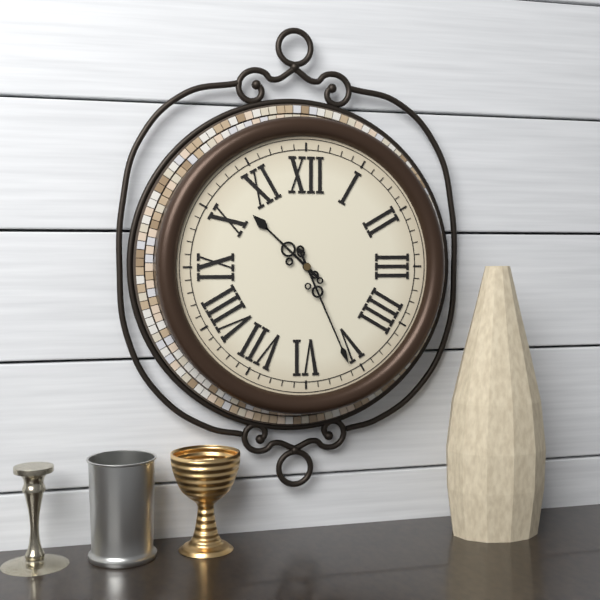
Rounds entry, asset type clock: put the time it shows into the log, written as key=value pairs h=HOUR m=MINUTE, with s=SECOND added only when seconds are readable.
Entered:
h=10 m=26
